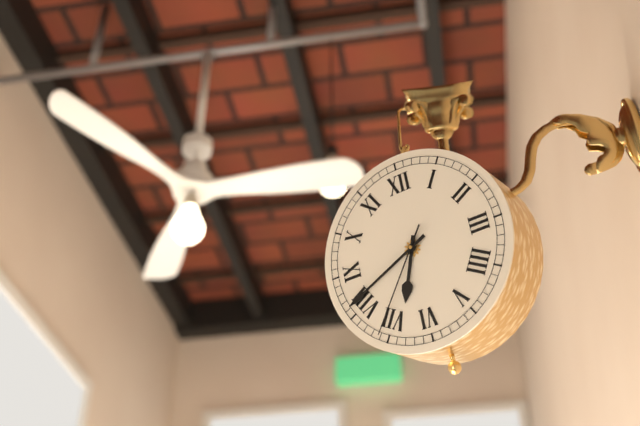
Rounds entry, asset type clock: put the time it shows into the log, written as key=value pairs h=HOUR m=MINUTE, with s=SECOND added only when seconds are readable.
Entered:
h=6 m=41 s=36
